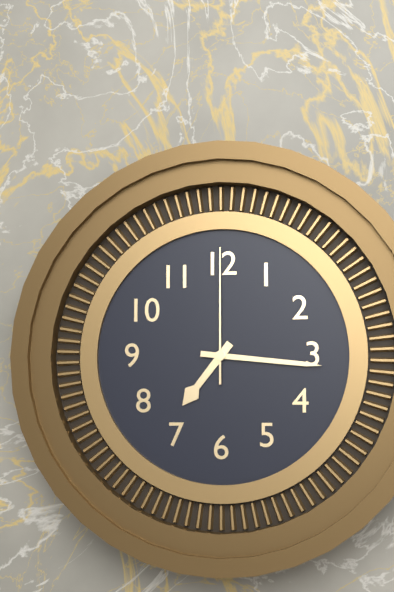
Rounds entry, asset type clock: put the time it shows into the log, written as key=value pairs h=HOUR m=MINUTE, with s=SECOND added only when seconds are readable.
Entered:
h=7 m=16 s=0
